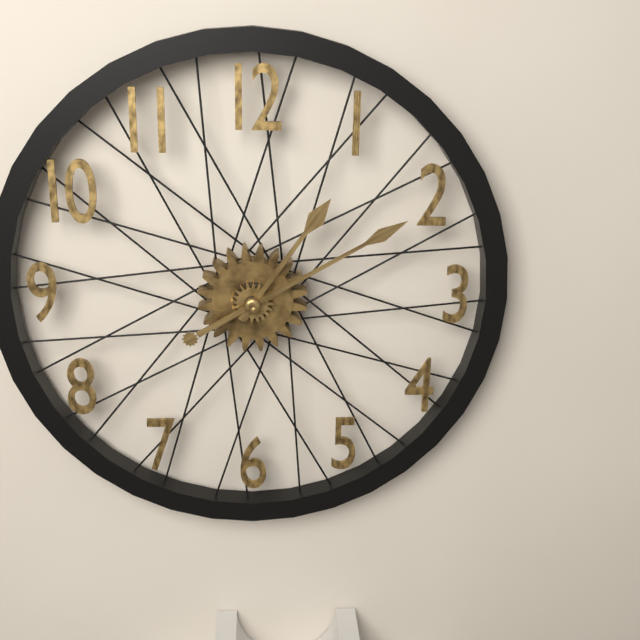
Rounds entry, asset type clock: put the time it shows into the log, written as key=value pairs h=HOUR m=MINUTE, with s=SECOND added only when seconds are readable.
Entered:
h=1 m=10
